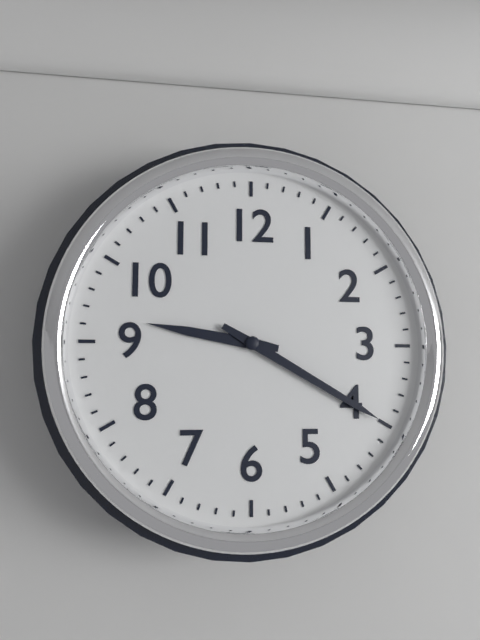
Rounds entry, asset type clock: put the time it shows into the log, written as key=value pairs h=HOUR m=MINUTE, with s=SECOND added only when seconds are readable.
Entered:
h=9 m=20
